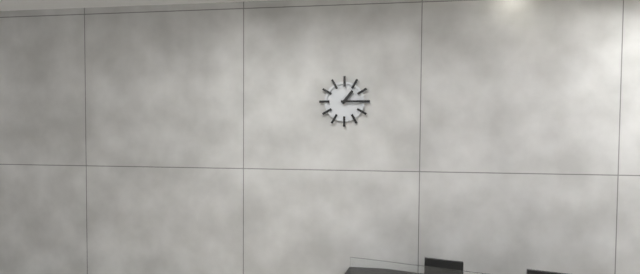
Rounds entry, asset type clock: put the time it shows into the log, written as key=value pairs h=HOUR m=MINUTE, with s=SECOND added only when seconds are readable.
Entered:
h=1 m=15
